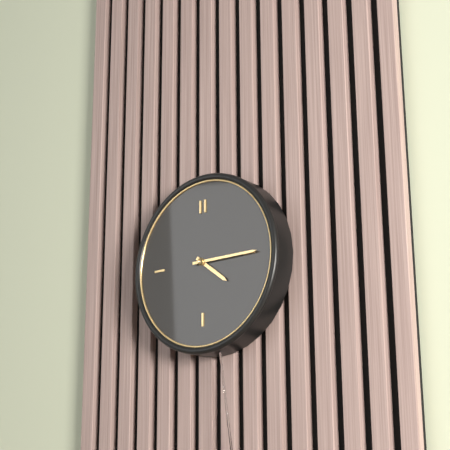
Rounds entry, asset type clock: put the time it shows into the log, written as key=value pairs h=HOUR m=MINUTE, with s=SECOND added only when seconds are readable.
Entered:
h=4 m=15
